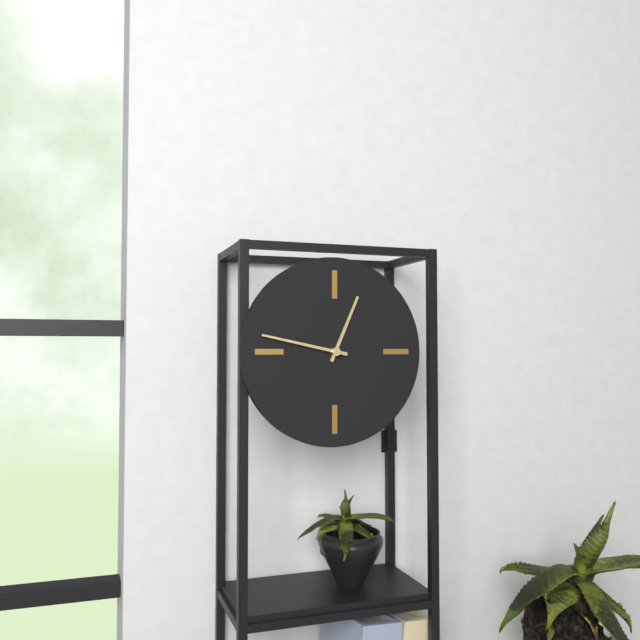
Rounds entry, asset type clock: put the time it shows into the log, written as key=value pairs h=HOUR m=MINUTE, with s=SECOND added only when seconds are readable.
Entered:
h=12 m=47
